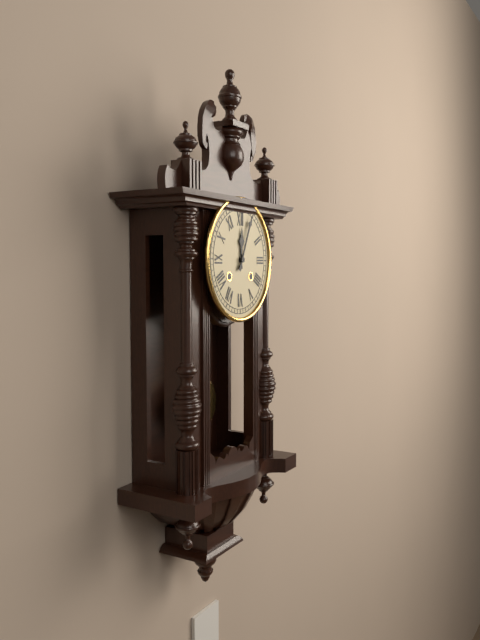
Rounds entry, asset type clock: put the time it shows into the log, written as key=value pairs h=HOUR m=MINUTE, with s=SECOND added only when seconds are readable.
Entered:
h=12 m=4
